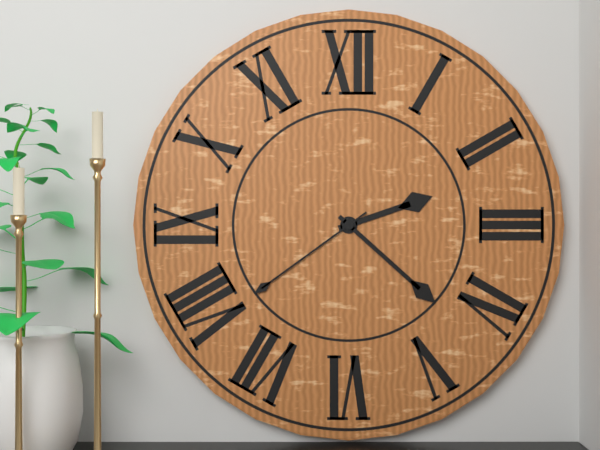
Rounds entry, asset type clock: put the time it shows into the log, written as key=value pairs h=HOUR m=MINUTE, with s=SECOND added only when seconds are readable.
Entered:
h=2 m=22 s=39
